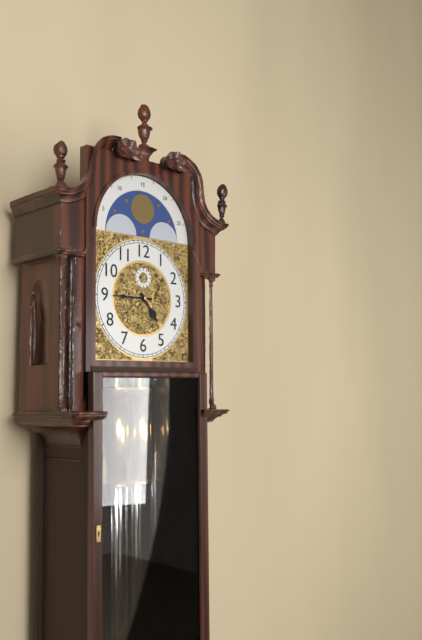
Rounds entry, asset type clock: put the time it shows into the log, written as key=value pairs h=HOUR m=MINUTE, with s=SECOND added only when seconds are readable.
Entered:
h=4 m=45
